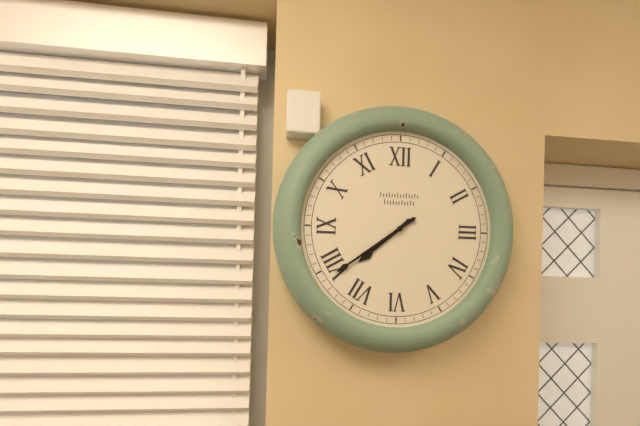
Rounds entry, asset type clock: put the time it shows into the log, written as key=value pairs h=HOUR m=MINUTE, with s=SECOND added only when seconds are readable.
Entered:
h=7 m=39
